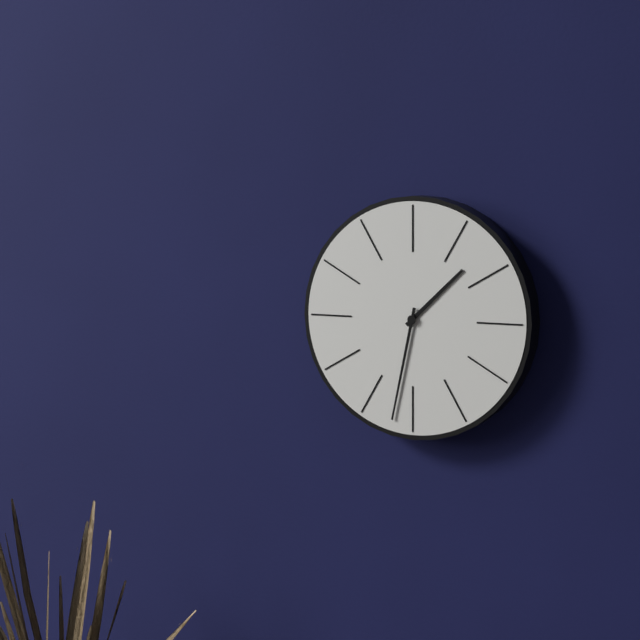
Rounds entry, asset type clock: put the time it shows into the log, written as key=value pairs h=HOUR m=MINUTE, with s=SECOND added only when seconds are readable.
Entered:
h=1 m=32
